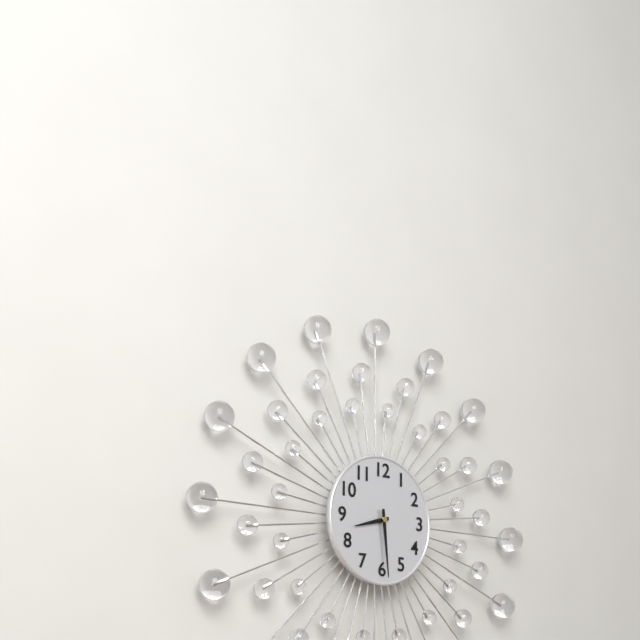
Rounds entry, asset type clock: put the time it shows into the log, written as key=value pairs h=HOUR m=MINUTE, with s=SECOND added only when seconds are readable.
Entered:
h=8 m=29
